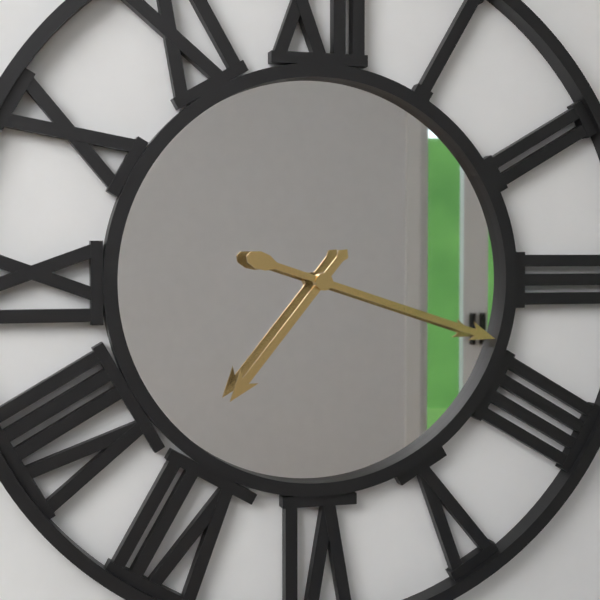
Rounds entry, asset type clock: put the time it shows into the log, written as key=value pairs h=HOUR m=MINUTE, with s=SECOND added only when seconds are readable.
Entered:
h=7 m=18
